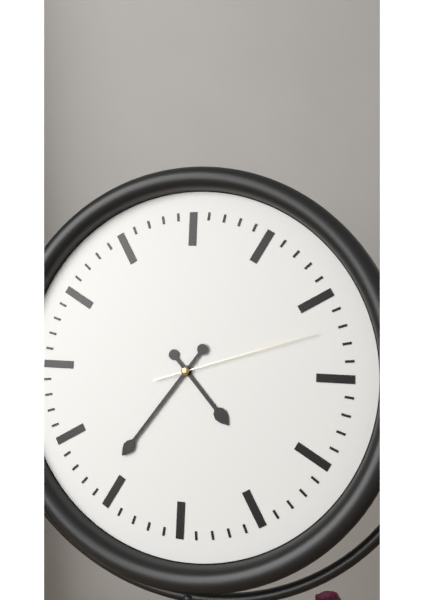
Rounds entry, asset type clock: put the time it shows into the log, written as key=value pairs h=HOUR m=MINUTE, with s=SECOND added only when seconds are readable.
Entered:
h=4 m=36 s=12
